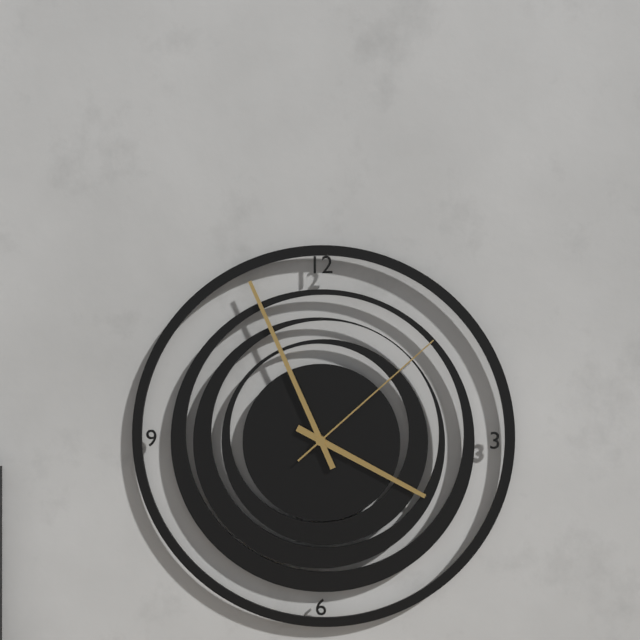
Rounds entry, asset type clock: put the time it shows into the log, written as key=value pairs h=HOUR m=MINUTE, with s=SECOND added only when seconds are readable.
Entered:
h=3 m=56 s=8
